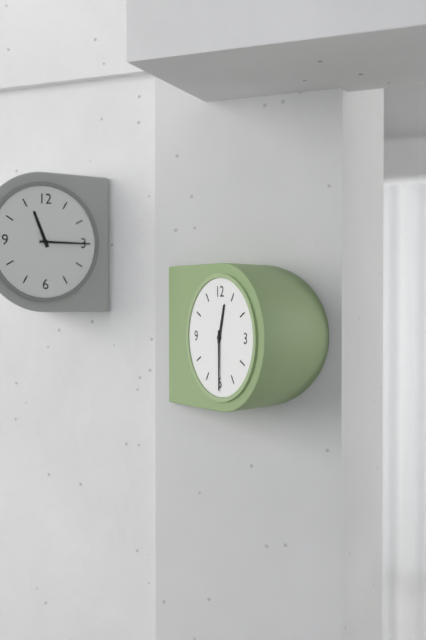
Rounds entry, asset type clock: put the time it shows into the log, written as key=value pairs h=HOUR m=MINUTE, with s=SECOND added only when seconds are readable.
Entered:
h=12 m=30
